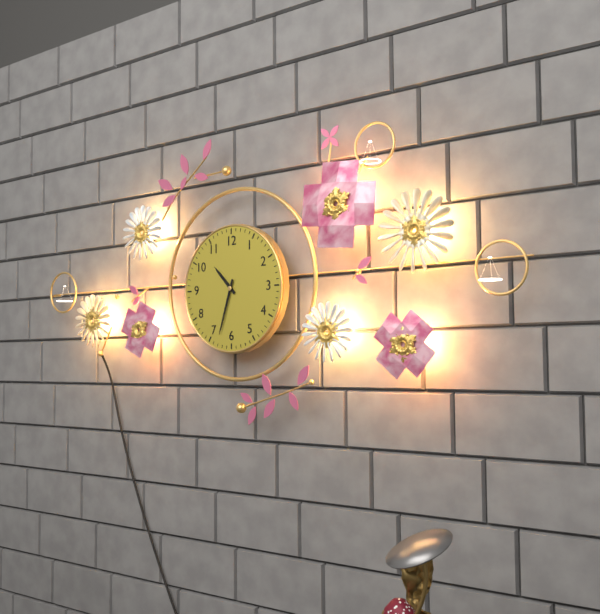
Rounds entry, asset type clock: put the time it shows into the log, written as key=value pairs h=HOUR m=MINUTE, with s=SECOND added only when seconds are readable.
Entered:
h=10 m=33
